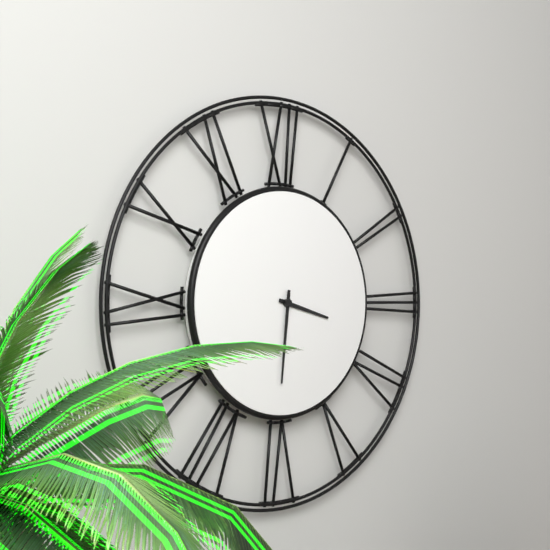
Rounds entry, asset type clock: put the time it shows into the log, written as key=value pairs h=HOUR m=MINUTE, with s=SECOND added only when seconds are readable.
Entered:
h=3 m=31
